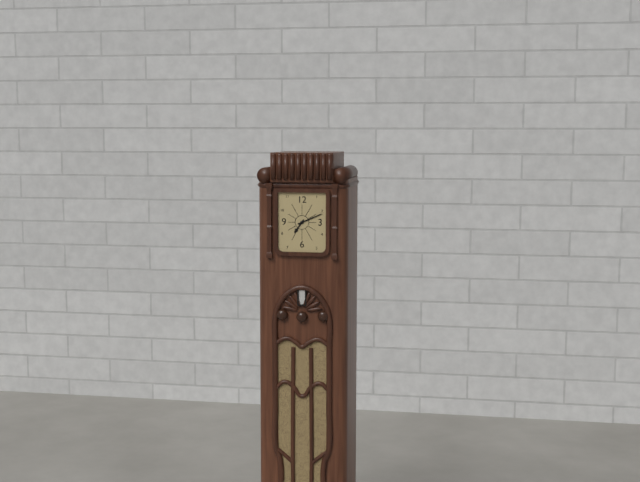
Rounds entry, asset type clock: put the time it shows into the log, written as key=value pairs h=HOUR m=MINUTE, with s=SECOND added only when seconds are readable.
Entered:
h=7 m=11
